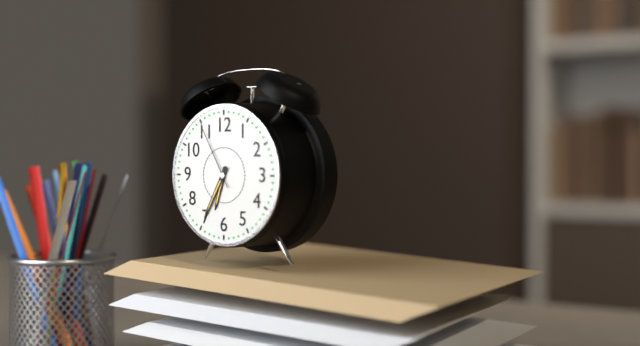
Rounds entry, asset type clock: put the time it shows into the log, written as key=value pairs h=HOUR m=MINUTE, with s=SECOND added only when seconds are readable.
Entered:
h=6 m=35 s=55
